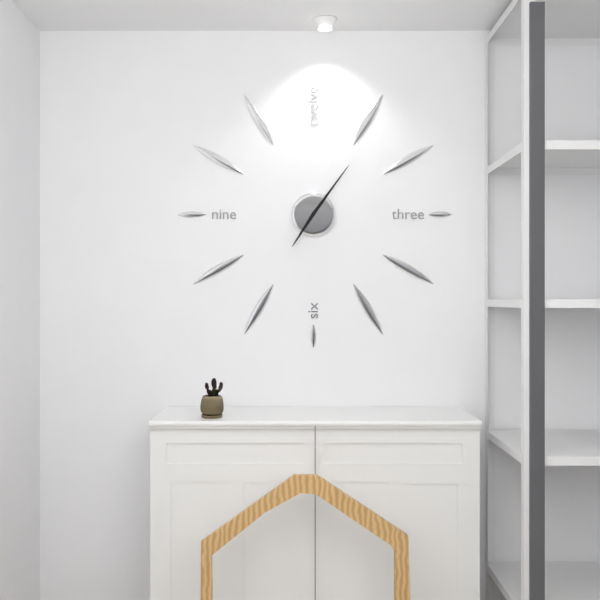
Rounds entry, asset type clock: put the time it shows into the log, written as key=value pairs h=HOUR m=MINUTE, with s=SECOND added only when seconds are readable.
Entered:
h=7 m=6
